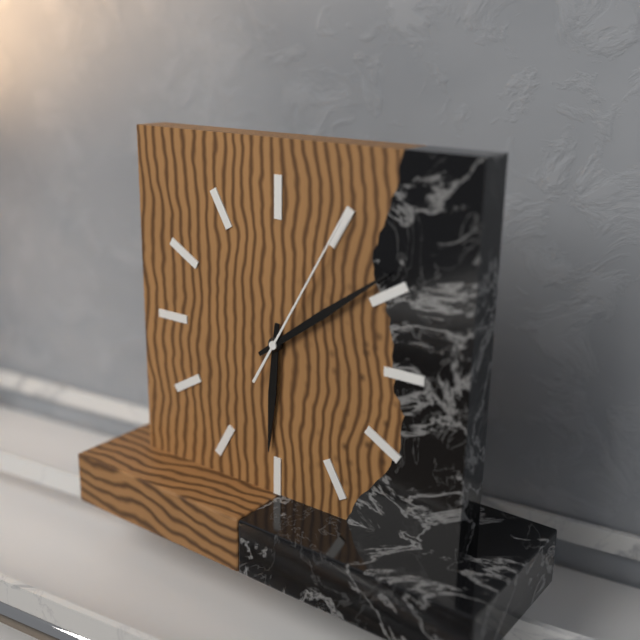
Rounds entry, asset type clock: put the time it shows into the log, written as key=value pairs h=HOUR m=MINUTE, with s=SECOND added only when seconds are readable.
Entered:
h=6 m=9 s=5
